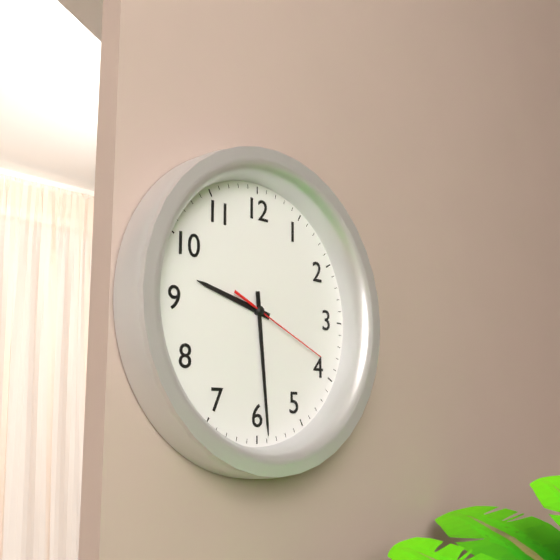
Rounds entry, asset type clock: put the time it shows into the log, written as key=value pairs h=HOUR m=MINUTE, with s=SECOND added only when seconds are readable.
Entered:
h=9 m=29 s=19
